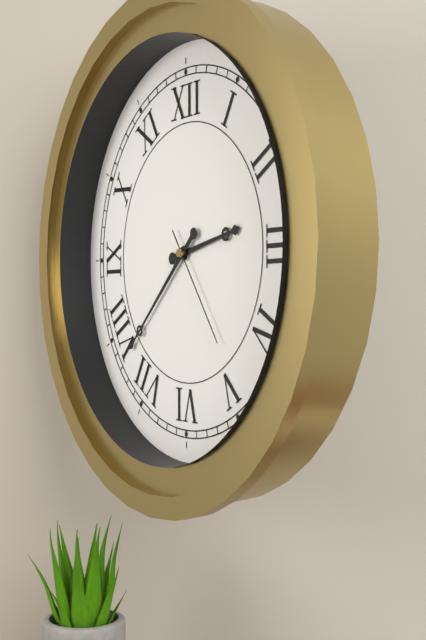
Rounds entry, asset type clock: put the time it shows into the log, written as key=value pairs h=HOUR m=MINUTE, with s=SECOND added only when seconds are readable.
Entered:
h=2 m=38 s=24
